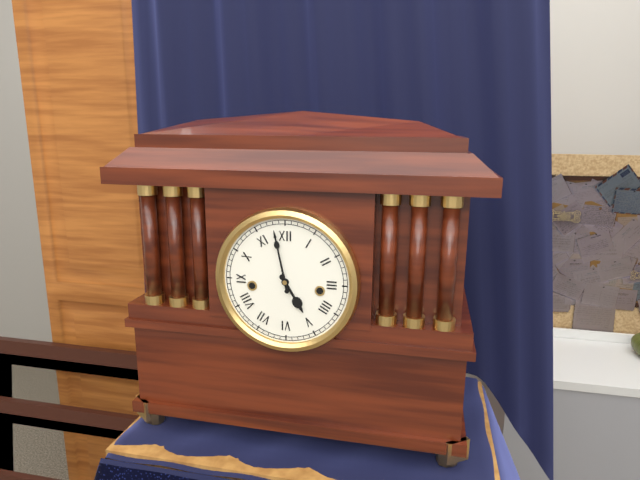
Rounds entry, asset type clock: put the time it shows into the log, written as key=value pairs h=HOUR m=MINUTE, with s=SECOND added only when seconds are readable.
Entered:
h=4 m=58
